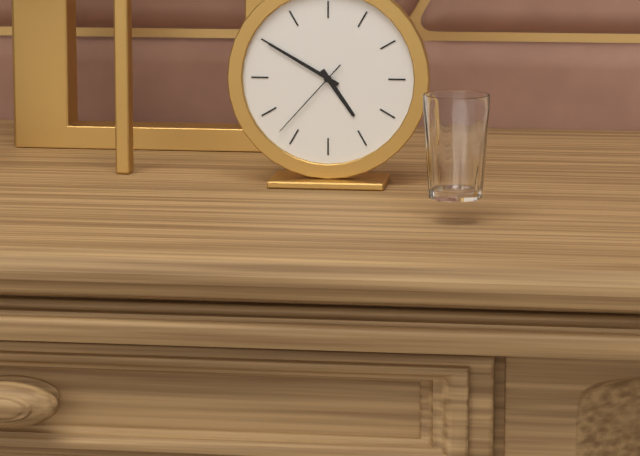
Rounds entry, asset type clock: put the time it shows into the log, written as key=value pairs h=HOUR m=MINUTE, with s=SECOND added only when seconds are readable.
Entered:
h=4 m=50 s=37
